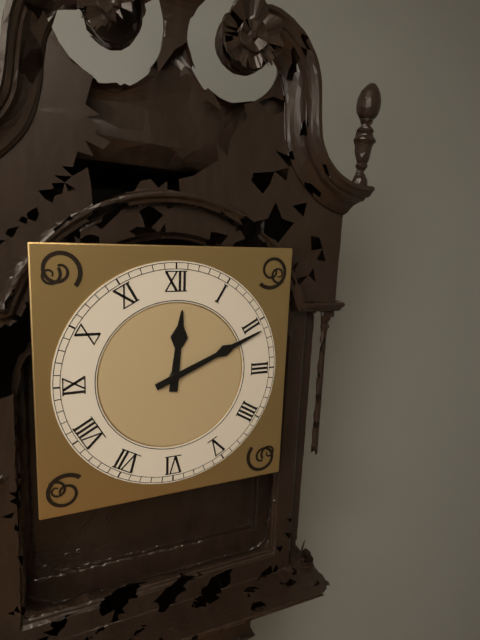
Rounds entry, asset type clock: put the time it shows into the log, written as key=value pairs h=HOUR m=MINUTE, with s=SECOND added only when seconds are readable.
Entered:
h=12 m=11
